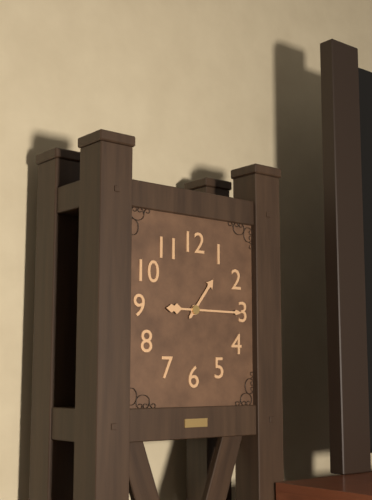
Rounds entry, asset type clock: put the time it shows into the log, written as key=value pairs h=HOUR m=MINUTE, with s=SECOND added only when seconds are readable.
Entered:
h=1 m=15
